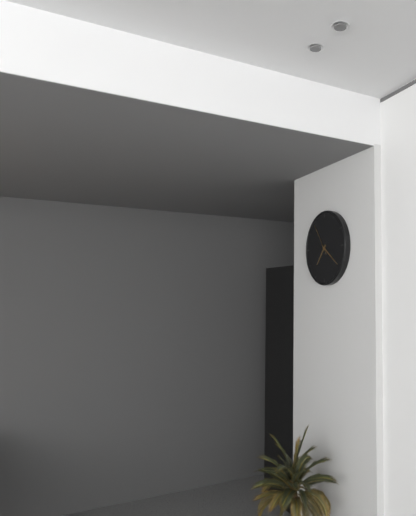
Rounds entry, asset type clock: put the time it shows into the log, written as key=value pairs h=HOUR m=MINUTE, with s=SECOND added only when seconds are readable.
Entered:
h=7 m=21
